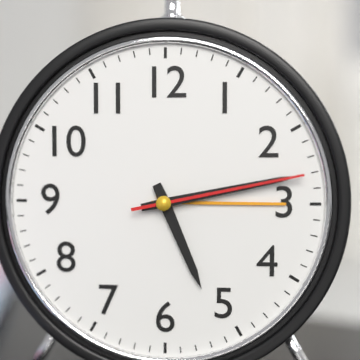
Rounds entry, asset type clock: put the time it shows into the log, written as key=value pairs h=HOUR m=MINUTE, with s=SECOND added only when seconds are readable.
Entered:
h=5 m=13 s=13
